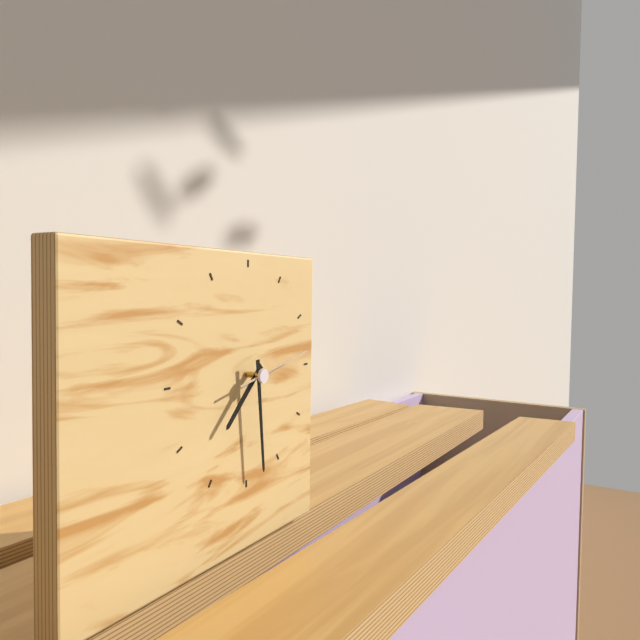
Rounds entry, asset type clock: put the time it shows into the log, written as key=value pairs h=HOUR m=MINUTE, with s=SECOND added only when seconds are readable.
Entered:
h=7 m=29 s=13
